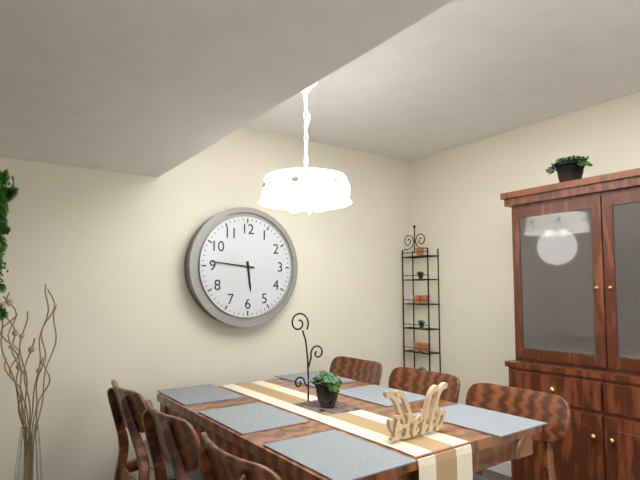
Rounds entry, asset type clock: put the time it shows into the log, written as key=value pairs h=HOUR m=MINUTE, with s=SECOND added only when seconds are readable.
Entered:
h=5 m=46
